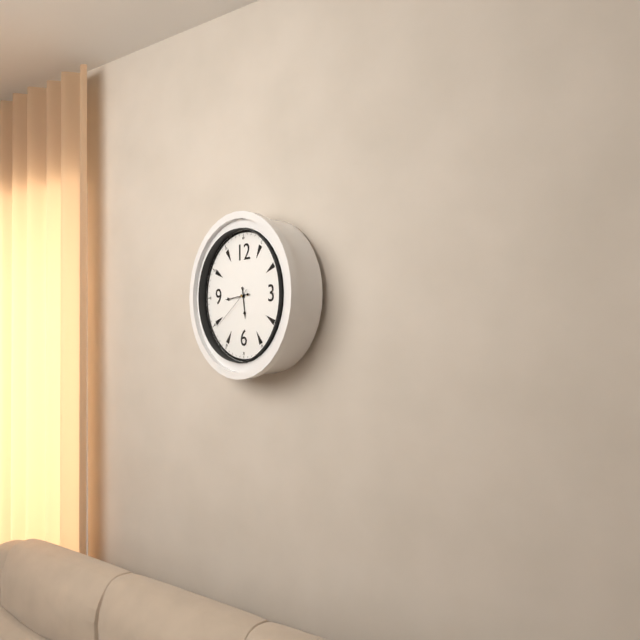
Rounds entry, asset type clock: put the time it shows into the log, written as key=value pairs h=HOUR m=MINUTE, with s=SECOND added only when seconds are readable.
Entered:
h=5 m=44 s=39
